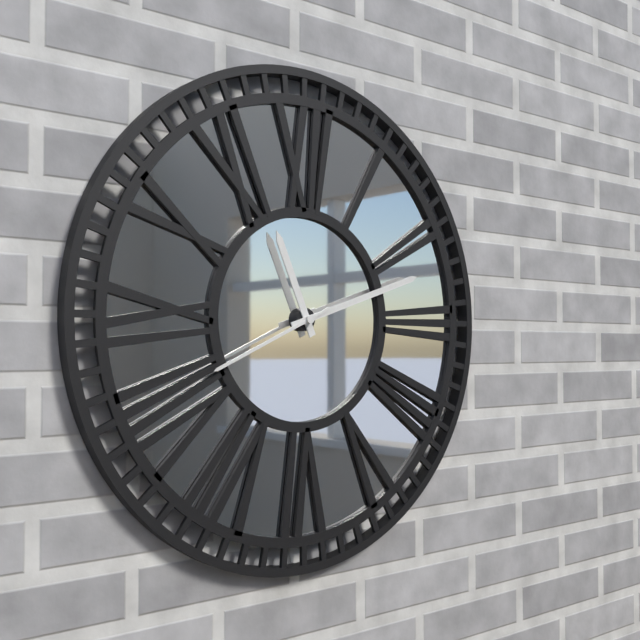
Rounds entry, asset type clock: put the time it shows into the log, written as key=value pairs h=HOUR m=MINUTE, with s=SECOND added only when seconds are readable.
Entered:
h=11 m=12 s=41
